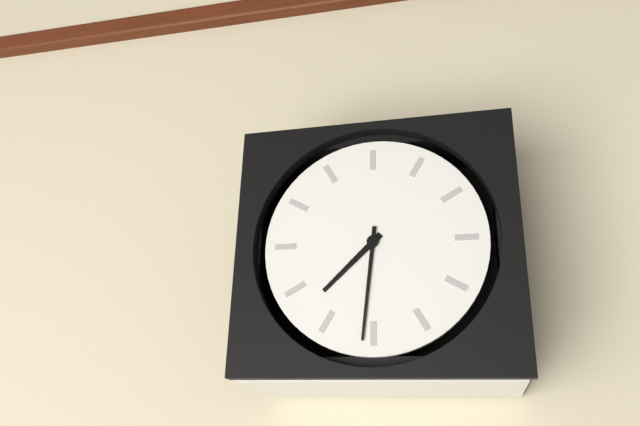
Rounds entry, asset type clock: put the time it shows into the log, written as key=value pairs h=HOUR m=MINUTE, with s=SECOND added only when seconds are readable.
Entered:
h=7 m=31
